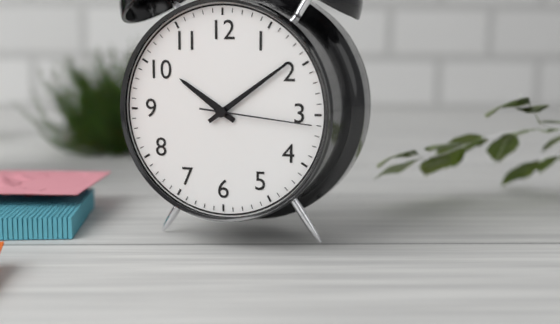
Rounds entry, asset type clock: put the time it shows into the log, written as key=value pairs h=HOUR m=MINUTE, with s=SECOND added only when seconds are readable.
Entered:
h=10 m=9 s=16
